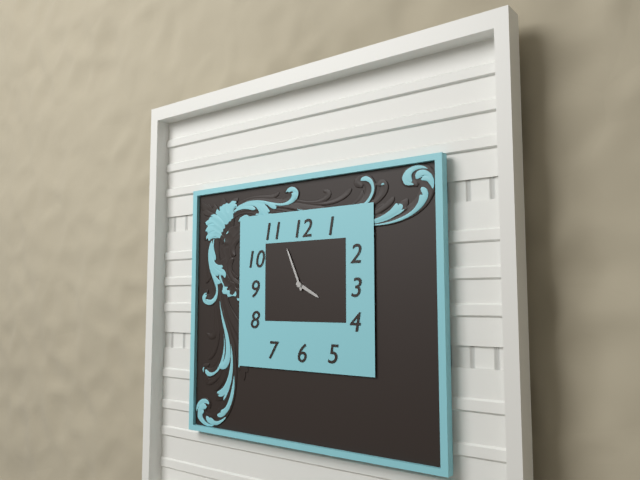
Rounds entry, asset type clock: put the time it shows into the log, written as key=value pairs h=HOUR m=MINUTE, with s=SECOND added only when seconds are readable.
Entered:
h=3 m=56
